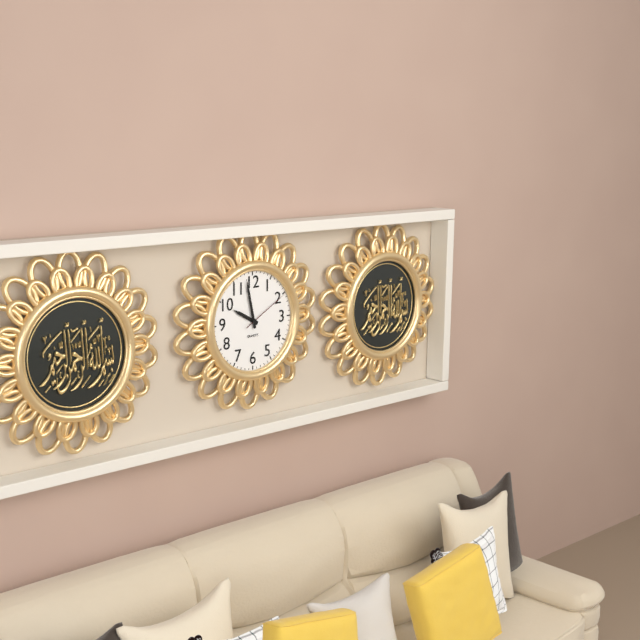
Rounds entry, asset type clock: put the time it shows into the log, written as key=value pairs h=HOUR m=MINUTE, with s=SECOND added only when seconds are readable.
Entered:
h=9 m=58 s=10
